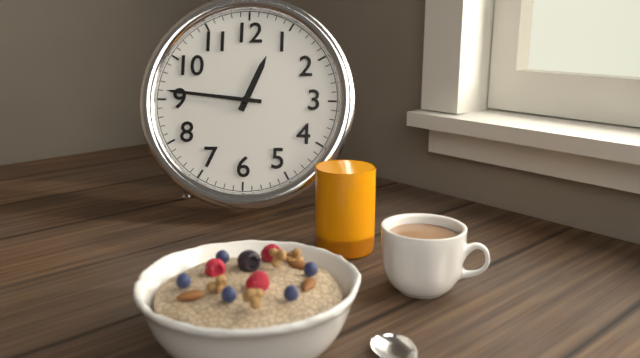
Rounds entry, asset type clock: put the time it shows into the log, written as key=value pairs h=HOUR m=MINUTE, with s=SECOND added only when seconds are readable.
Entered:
h=12 m=46
